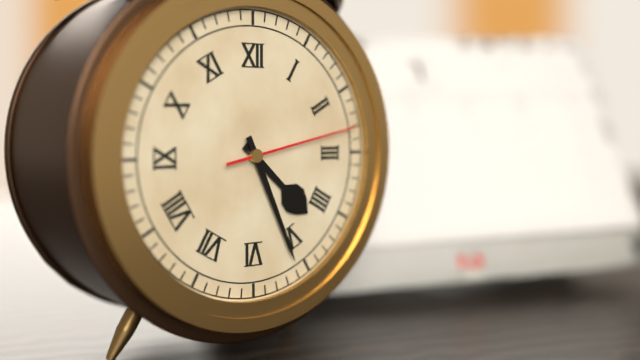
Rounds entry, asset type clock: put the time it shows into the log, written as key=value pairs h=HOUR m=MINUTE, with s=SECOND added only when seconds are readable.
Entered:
h=4 m=26 s=13
